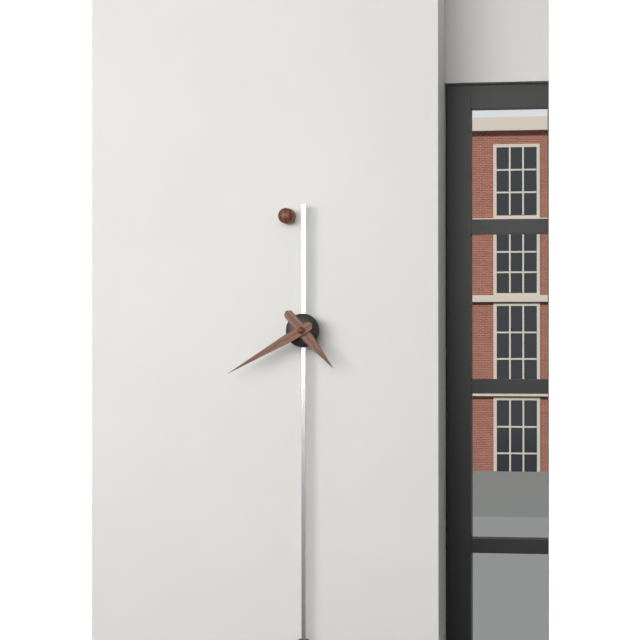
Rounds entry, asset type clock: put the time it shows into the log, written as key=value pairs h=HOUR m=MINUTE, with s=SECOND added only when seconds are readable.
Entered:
h=4 m=40
